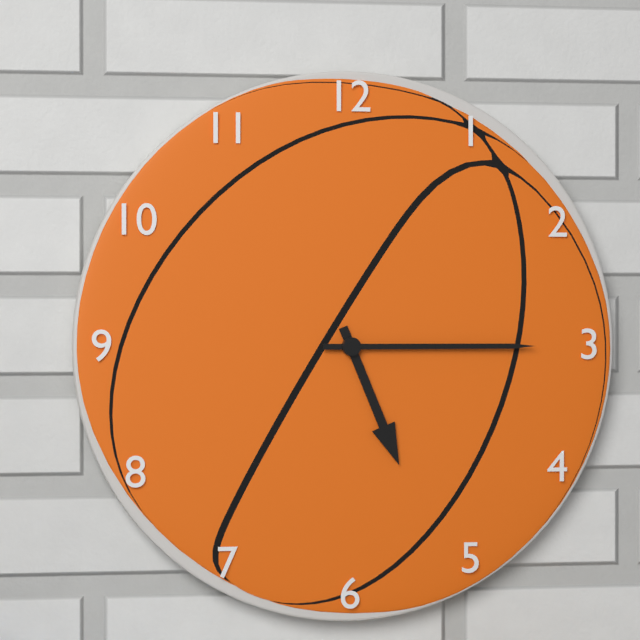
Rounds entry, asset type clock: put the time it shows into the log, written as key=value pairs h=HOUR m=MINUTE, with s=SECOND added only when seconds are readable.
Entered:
h=5 m=15
